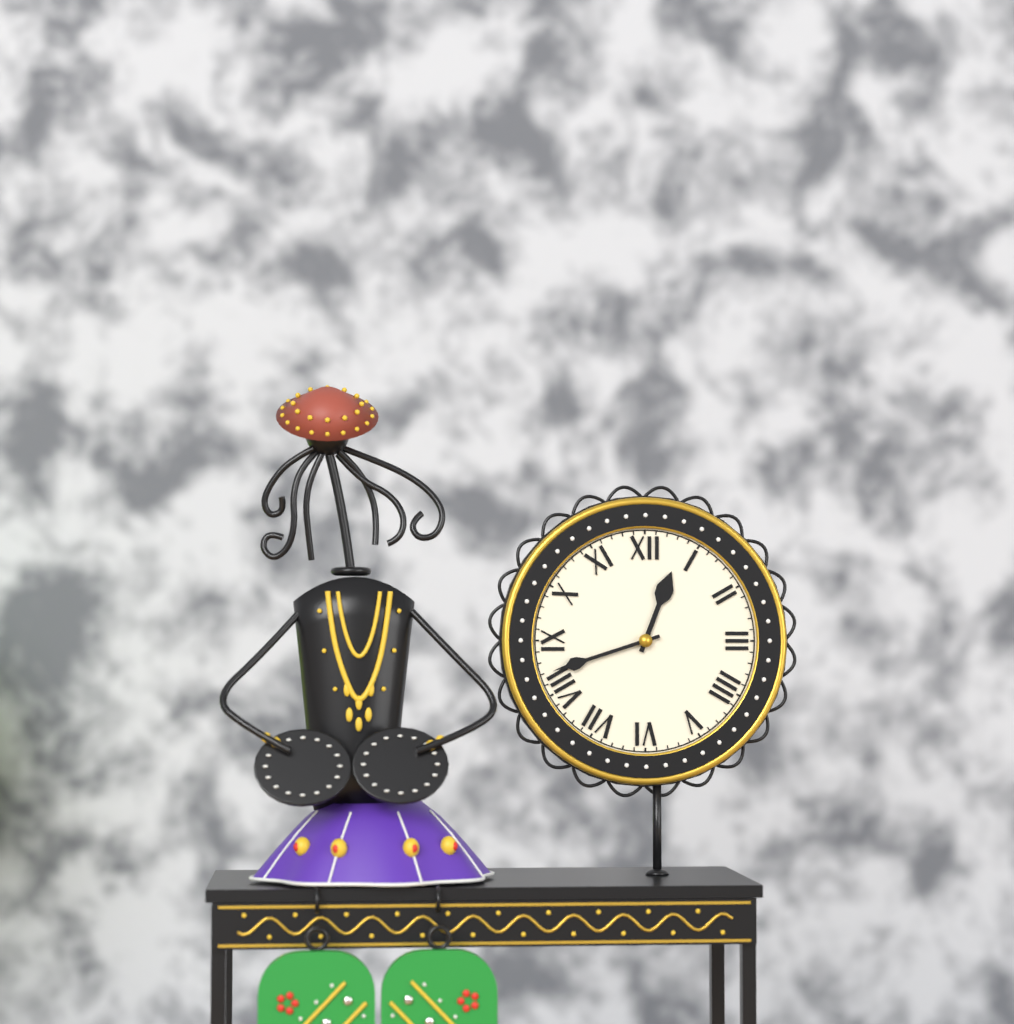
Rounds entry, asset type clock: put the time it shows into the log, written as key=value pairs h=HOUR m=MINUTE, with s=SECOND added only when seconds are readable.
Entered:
h=12 m=42
